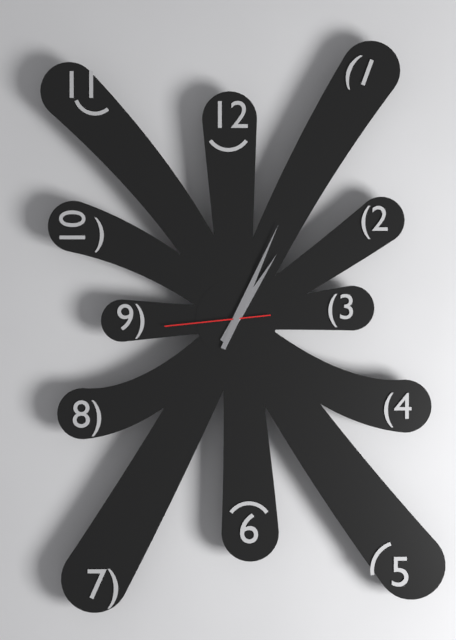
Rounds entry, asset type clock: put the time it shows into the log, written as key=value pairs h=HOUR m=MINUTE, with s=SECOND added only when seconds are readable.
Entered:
h=1 m=4 s=44
